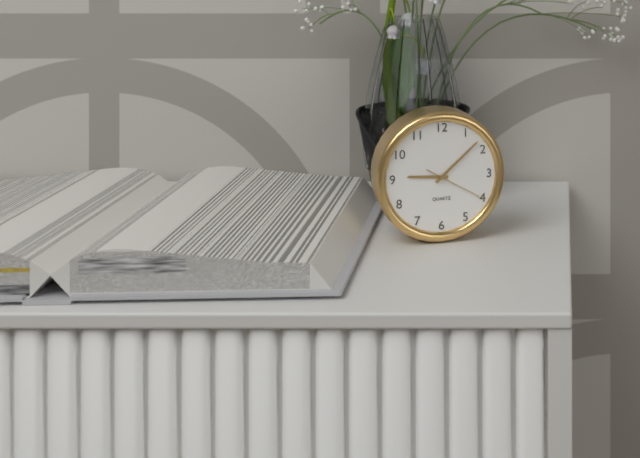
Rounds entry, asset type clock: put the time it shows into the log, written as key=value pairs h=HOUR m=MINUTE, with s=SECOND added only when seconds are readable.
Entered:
h=9 m=8 s=20
